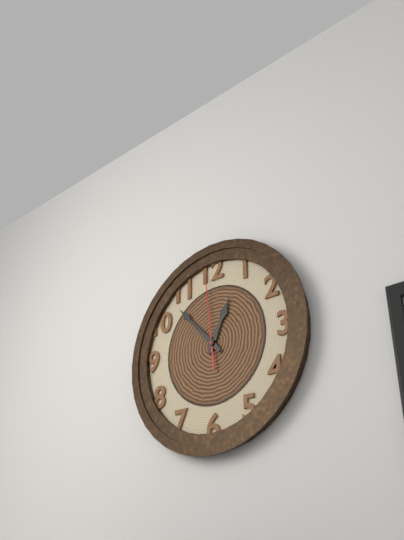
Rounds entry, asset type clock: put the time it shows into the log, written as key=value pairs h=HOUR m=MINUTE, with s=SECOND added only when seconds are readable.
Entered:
h=12 m=53 s=59
